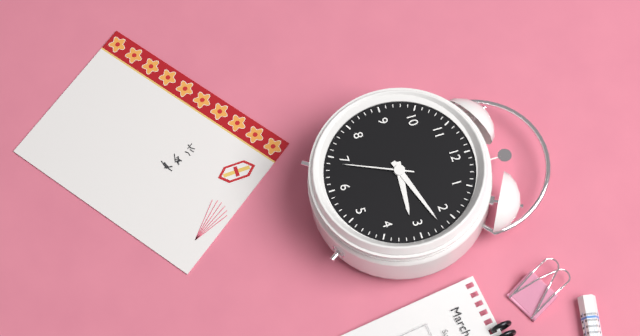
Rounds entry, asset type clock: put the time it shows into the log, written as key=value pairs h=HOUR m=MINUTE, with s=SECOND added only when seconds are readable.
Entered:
h=3 m=12 s=34
